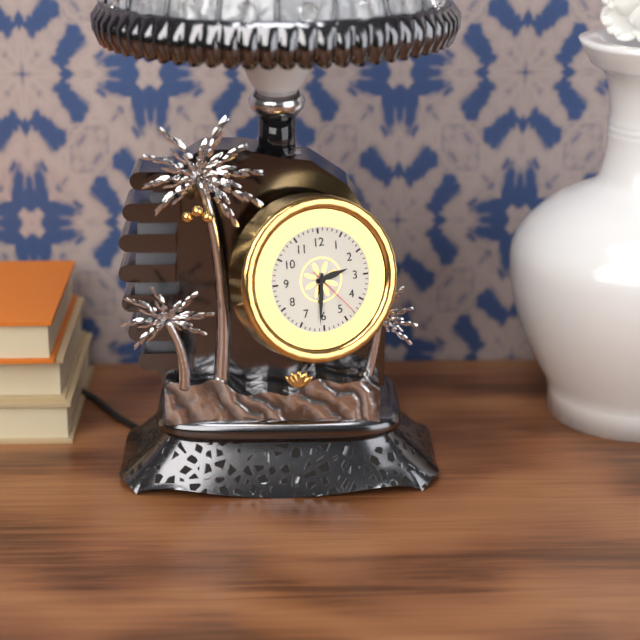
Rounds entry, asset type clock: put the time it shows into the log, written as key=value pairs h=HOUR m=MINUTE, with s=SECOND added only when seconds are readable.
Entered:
h=2 m=31 s=23
